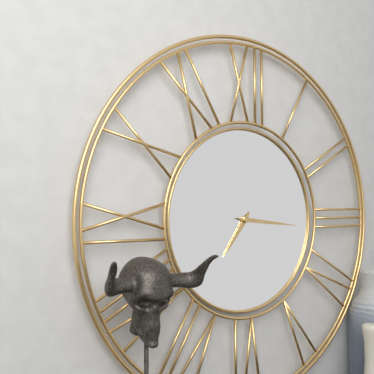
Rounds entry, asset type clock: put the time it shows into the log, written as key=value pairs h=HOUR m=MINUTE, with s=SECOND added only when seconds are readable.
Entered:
h=7 m=16
